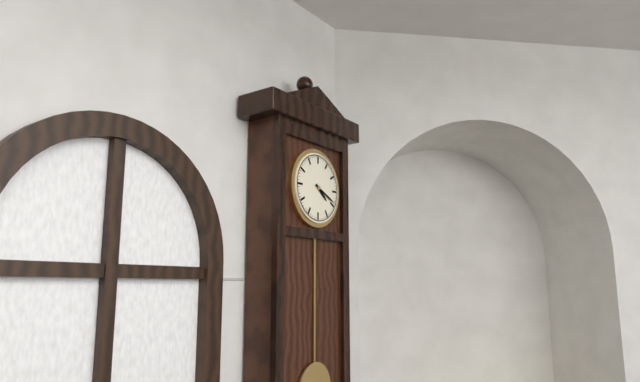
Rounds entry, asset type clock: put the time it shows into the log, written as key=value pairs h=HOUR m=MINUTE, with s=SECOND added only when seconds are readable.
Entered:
h=4 m=19
